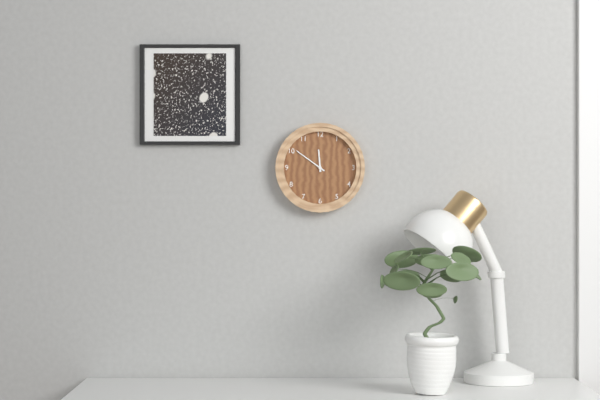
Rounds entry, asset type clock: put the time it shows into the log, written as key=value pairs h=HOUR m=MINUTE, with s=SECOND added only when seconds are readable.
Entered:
h=11 m=51
